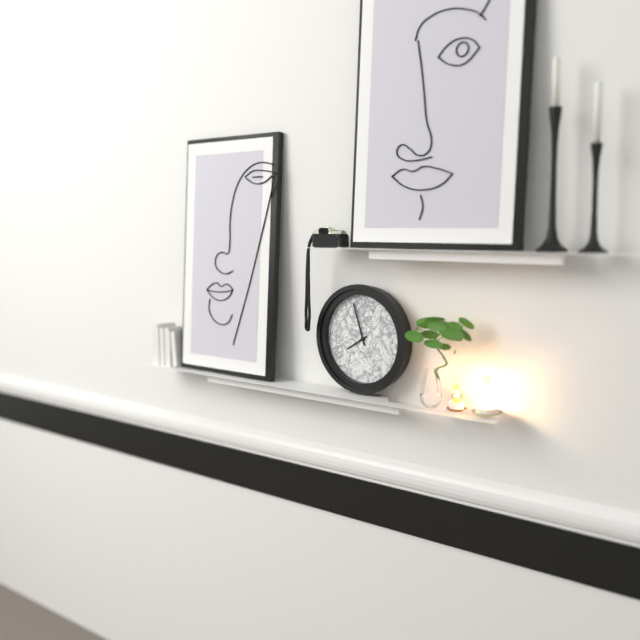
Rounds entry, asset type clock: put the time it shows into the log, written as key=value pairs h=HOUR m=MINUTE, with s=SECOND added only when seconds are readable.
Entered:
h=7 m=57
